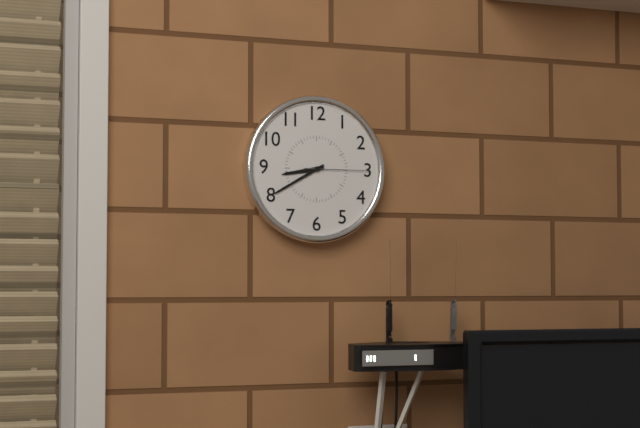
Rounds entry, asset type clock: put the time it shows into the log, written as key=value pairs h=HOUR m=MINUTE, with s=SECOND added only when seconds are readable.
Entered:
h=8 m=40 s=15
